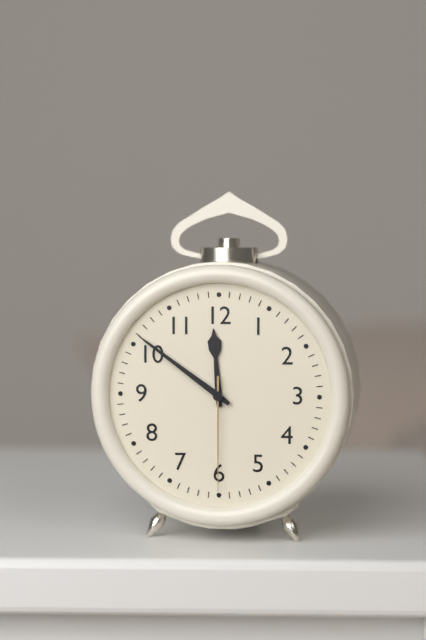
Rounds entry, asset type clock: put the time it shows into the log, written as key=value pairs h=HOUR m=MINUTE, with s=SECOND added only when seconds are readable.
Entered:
h=11 m=51 s=30
